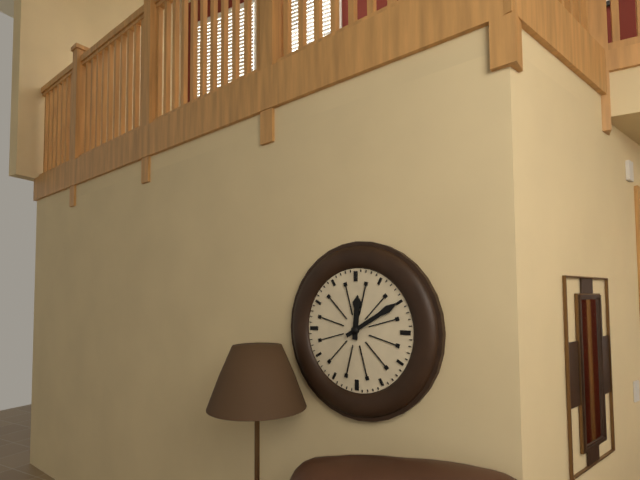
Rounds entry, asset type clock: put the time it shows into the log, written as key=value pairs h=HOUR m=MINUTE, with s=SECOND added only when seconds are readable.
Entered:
h=12 m=10
